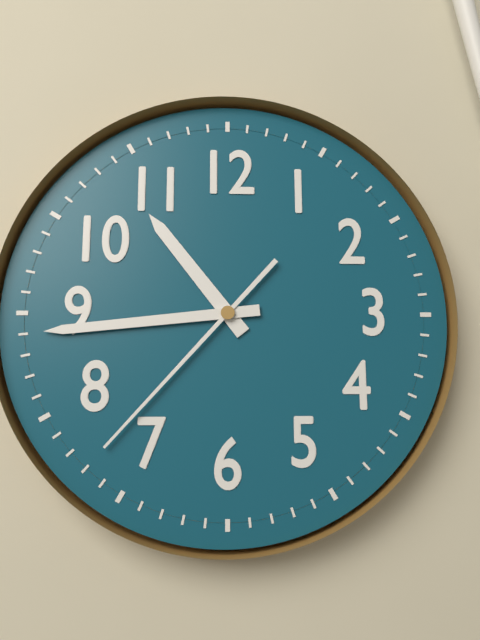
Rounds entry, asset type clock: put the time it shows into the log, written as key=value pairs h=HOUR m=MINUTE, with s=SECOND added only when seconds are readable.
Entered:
h=10 m=44 s=37
